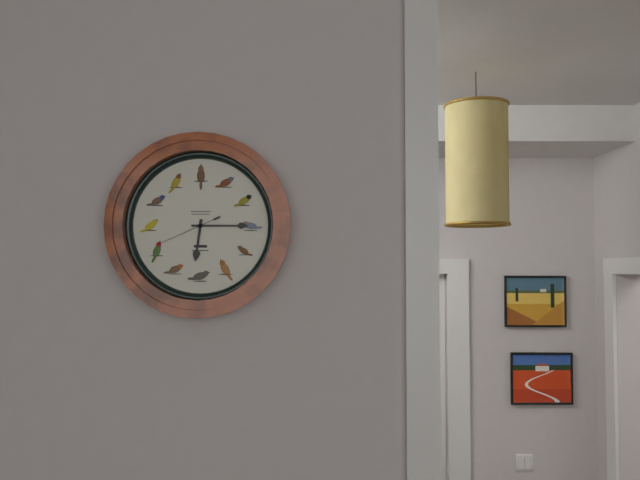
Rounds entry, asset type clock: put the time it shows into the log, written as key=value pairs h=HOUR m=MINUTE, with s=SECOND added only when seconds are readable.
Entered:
h=6 m=15 s=41
